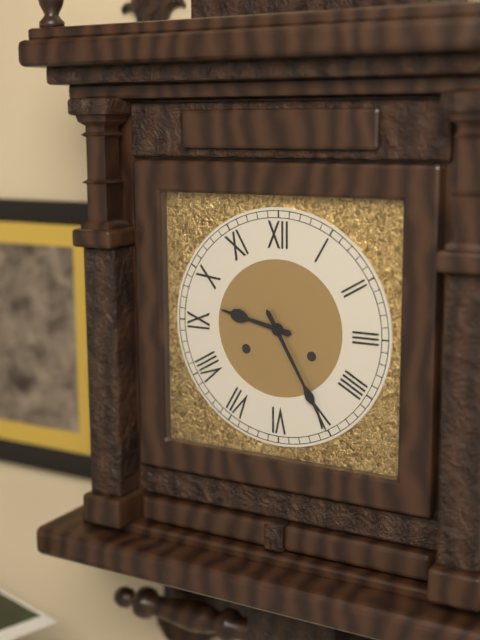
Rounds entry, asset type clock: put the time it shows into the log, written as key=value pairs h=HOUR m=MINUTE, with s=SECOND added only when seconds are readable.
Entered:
h=9 m=25
